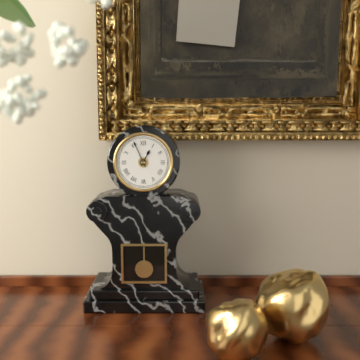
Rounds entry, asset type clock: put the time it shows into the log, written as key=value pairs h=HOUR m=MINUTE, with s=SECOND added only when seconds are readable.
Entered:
h=12 m=56
